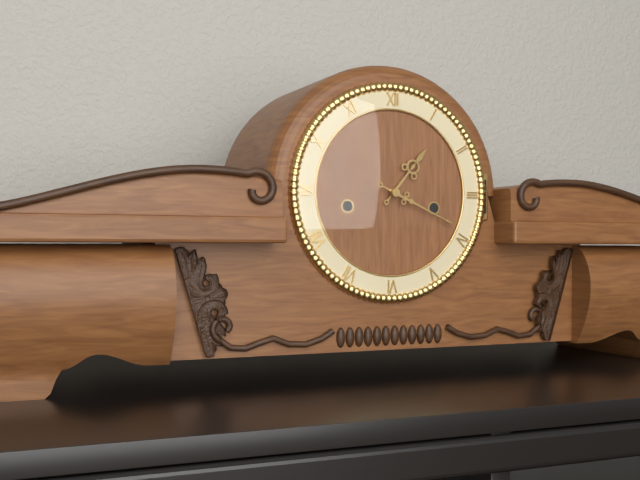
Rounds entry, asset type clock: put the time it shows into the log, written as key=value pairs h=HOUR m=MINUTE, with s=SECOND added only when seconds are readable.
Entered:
h=1 m=19
